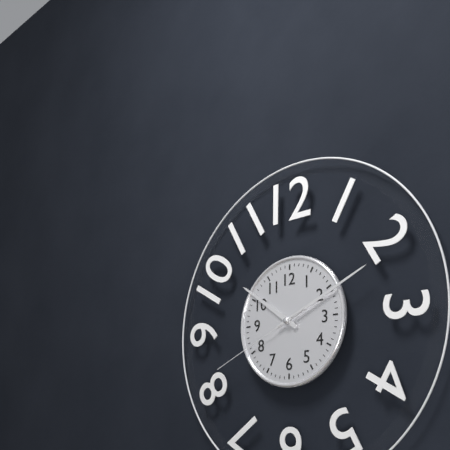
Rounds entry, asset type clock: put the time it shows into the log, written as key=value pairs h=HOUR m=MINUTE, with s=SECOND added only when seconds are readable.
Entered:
h=10 m=11 s=41
